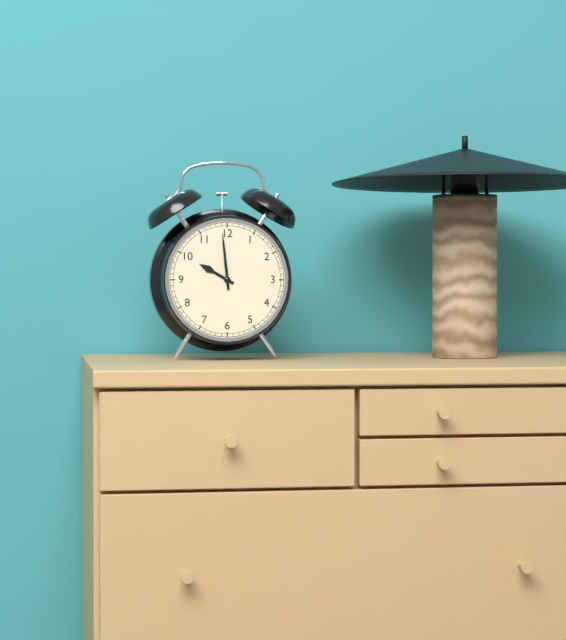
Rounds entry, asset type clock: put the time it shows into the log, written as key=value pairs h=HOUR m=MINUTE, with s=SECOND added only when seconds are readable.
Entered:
h=9 m=59
